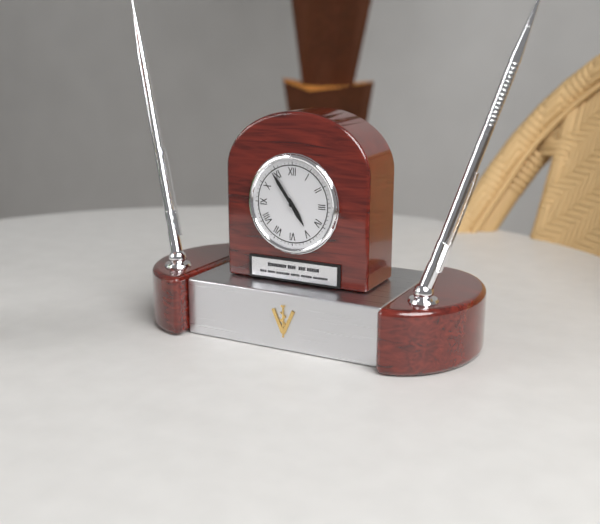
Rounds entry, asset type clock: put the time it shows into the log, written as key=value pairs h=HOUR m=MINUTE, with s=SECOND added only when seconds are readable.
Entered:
h=4 m=54
